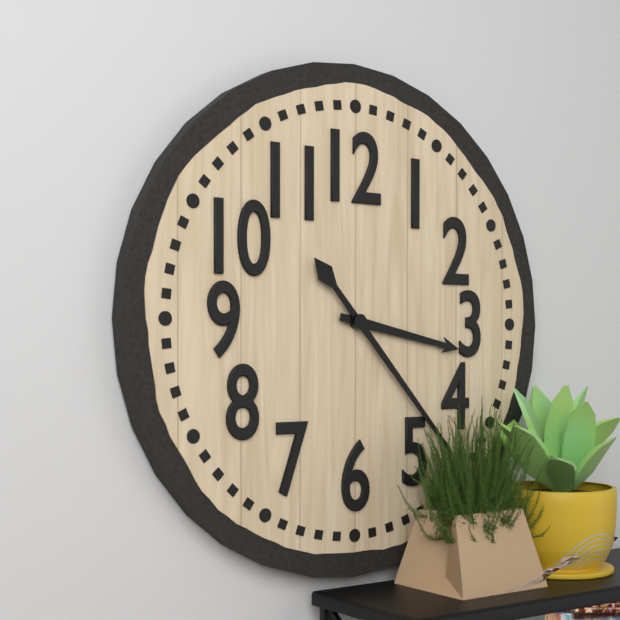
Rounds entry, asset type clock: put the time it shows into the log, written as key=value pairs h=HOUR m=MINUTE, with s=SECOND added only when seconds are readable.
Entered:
h=3 m=23
